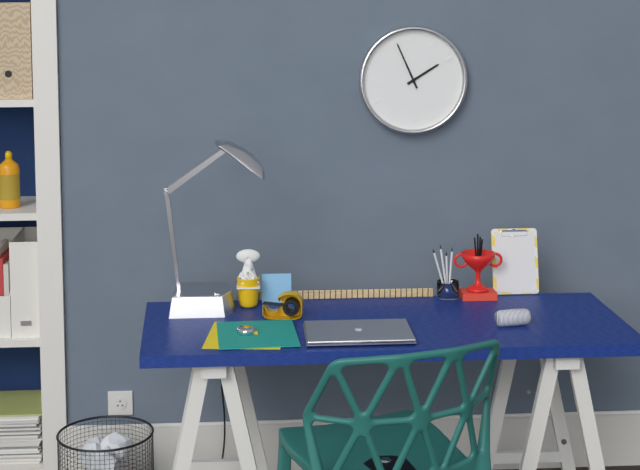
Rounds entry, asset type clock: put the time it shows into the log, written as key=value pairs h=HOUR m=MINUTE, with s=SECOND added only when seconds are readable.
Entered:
h=1 m=56
